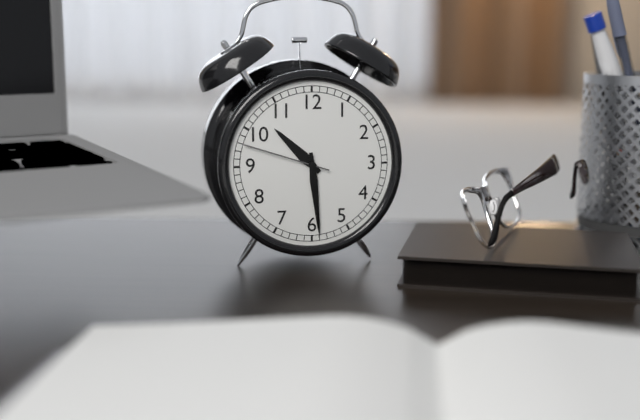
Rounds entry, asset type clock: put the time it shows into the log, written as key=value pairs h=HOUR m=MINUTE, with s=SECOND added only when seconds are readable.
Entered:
h=10 m=29 s=48
